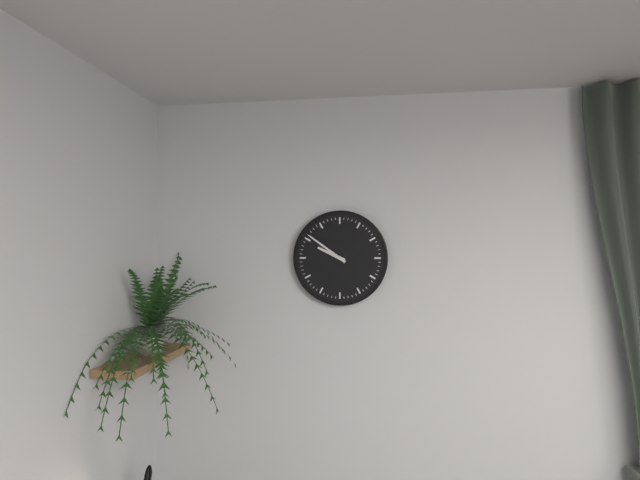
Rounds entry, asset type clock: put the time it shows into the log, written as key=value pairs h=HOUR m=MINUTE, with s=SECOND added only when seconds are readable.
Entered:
h=9 m=51
